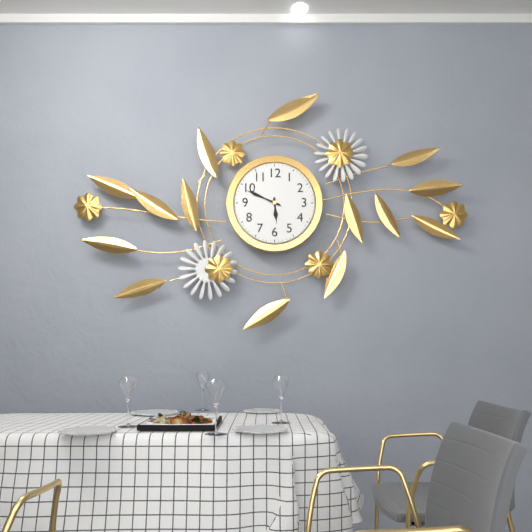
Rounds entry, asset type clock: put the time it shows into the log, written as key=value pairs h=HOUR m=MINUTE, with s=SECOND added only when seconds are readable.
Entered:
h=5 m=49
